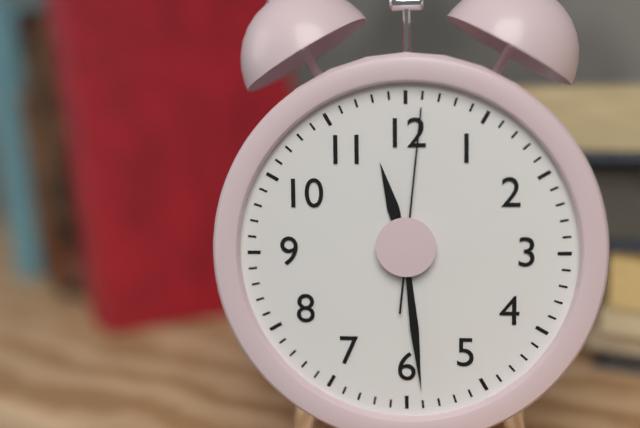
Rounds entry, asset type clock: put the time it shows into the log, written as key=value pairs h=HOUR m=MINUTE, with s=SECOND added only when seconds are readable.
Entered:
h=11 m=29 s=1
